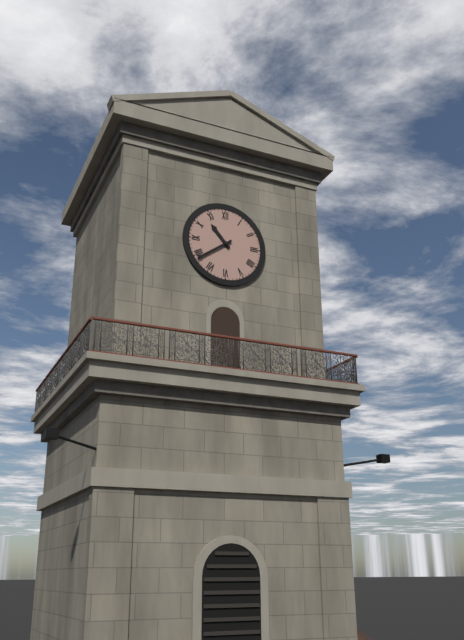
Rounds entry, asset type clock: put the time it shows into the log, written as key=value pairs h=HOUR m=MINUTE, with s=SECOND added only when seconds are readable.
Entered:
h=10 m=39
